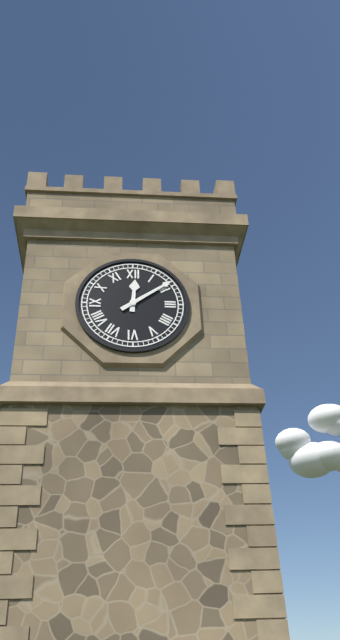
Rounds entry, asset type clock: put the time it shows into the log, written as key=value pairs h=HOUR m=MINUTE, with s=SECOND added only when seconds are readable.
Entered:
h=12 m=9
